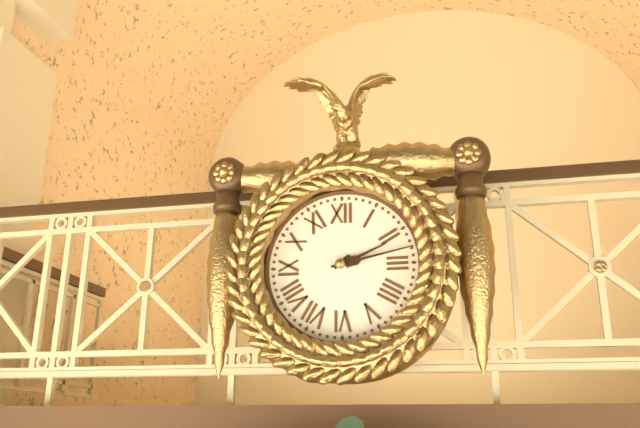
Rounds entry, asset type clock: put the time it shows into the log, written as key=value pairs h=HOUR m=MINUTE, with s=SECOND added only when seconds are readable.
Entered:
h=2 m=13
